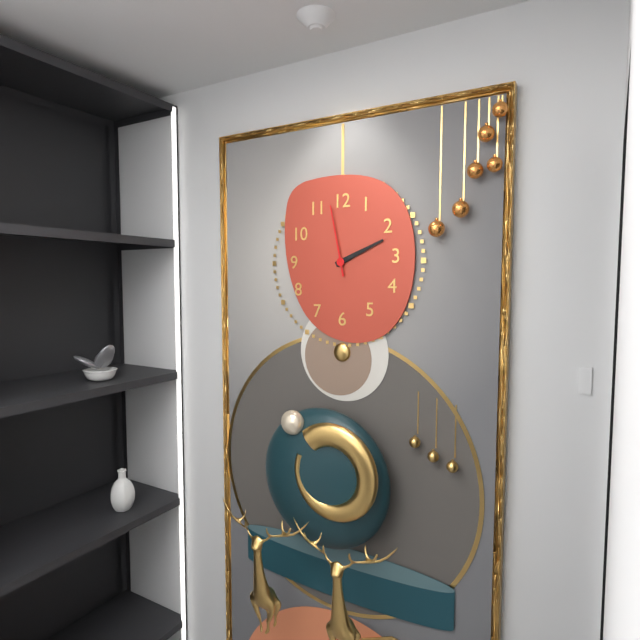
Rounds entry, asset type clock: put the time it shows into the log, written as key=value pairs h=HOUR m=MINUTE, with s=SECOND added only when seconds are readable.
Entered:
h=2 m=11 s=58
